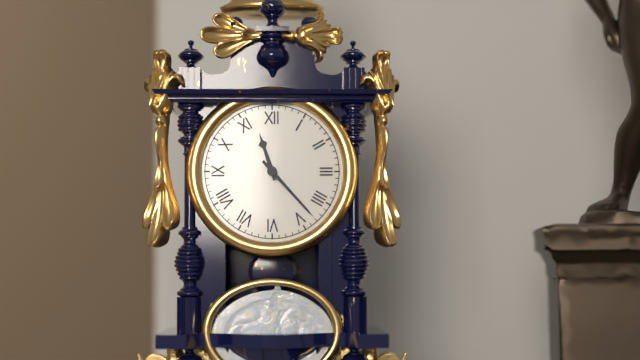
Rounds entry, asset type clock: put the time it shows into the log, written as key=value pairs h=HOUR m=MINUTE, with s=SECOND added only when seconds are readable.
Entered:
h=11 m=23
